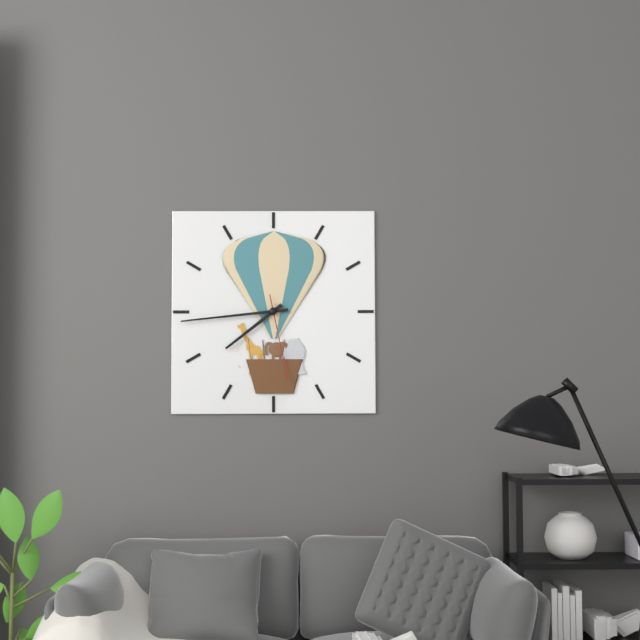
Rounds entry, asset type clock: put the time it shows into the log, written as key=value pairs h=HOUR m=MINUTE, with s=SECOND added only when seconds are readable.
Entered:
h=7 m=44 s=28
